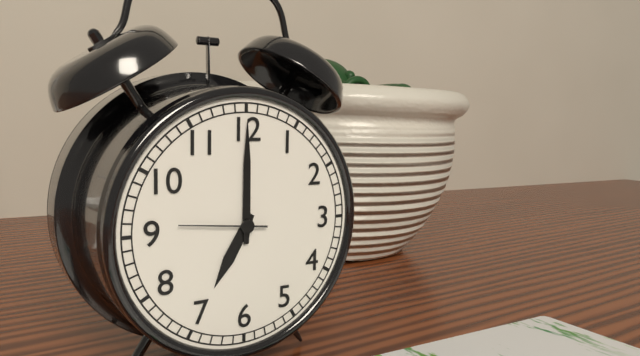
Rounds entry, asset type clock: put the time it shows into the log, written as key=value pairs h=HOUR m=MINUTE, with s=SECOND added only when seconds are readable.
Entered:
h=7 m=0 s=46
